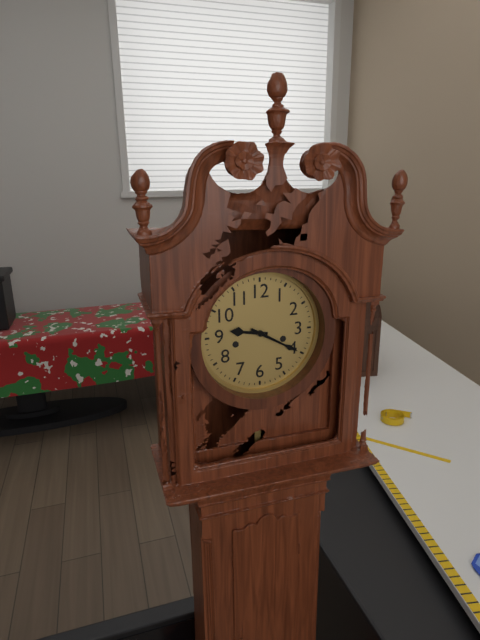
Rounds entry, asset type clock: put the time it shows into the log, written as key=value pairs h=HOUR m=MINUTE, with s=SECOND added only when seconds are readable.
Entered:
h=9 m=20
